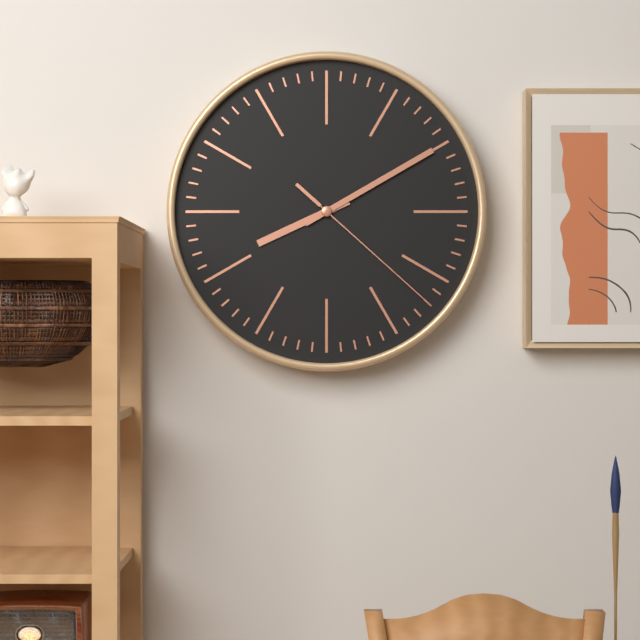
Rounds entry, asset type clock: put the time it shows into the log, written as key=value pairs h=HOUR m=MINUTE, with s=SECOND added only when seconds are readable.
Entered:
h=8 m=10 s=22
